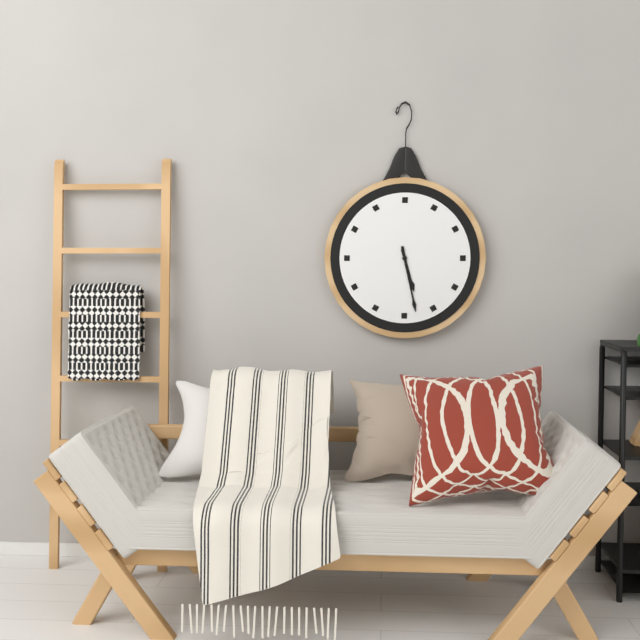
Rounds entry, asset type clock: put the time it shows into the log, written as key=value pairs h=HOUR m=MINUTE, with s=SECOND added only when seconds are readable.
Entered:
h=5 m=28
